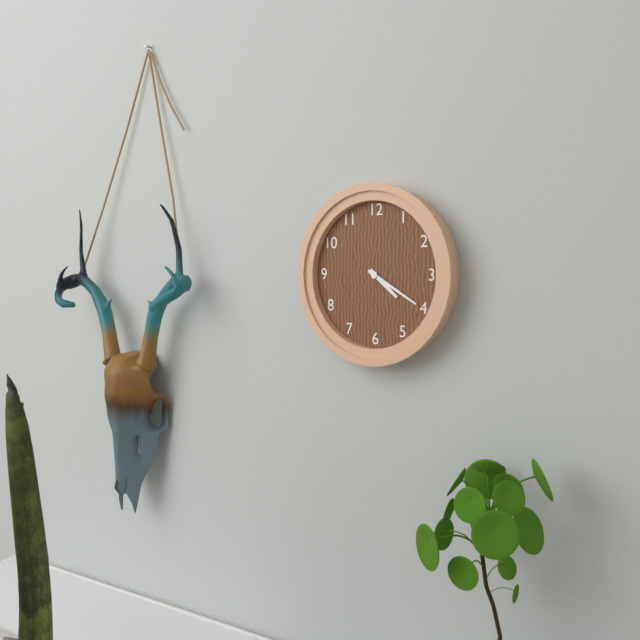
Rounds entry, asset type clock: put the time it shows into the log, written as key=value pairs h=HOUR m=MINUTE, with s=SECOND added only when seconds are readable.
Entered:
h=4 m=20
